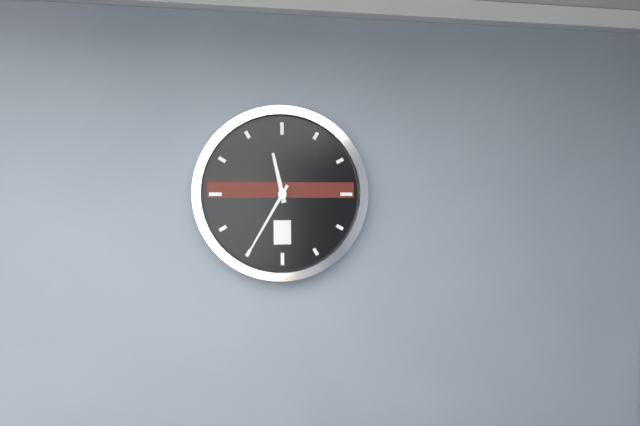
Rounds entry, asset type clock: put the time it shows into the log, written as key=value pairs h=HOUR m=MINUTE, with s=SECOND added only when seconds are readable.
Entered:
h=11 m=35
